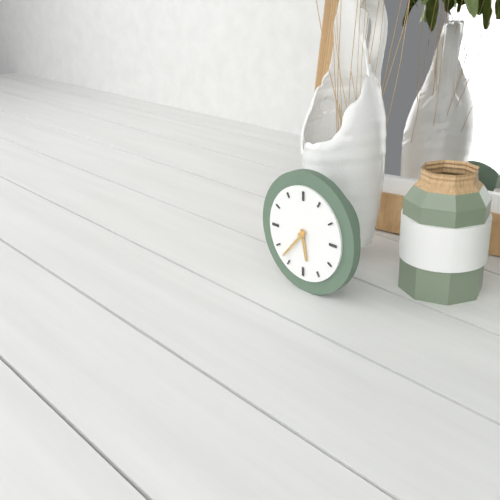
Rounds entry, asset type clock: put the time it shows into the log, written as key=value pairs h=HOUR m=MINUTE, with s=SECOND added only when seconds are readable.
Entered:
h=5 m=37
